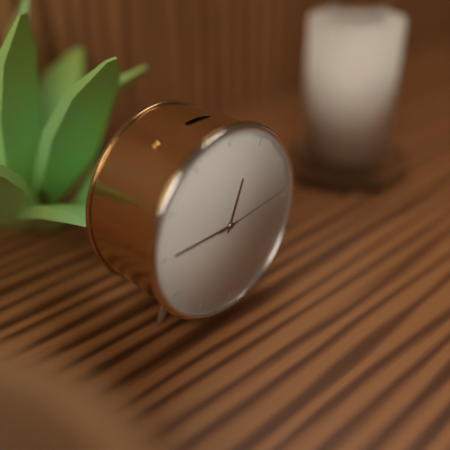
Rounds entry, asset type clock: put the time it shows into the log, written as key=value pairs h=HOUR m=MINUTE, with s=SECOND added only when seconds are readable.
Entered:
h=12 m=45 s=14
